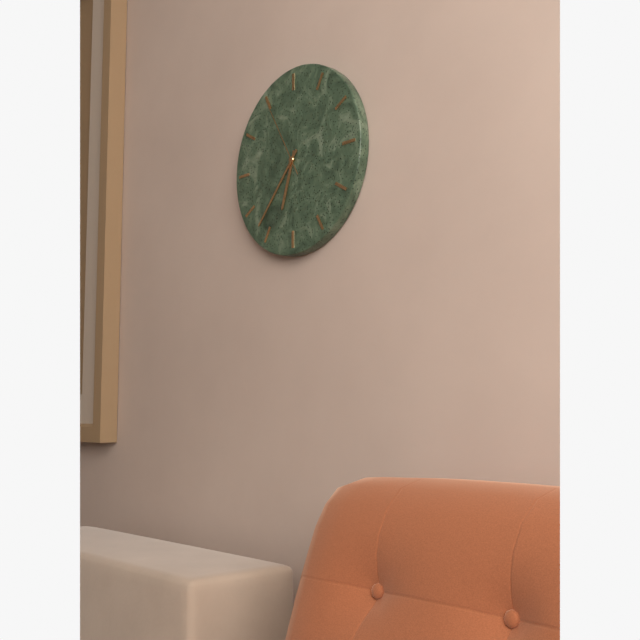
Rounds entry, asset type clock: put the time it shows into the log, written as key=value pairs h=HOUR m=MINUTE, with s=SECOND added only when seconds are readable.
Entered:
h=6 m=37 s=55
